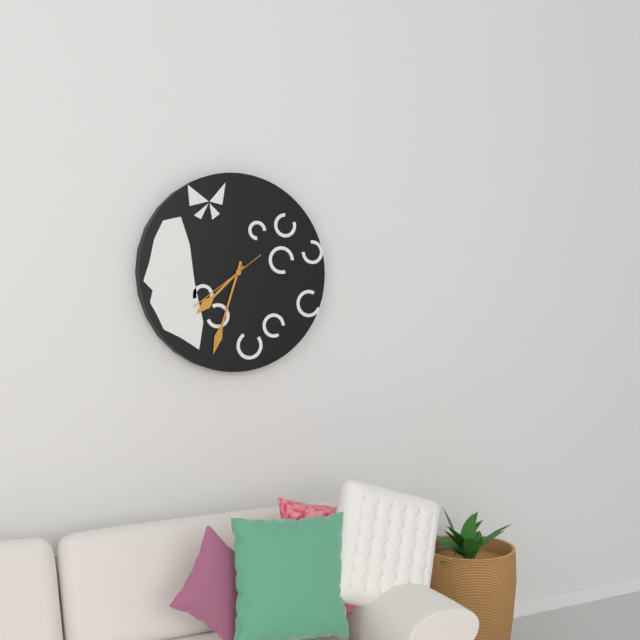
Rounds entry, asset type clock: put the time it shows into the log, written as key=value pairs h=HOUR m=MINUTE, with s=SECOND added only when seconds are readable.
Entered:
h=7 m=33 s=39
